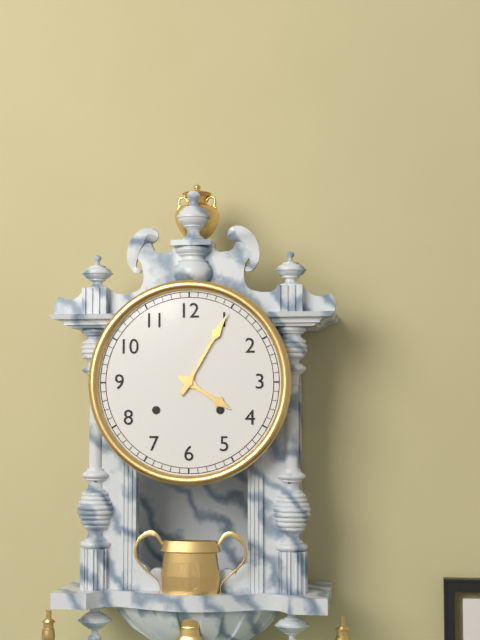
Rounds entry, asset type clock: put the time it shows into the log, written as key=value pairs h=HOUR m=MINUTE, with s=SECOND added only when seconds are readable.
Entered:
h=4 m=5
